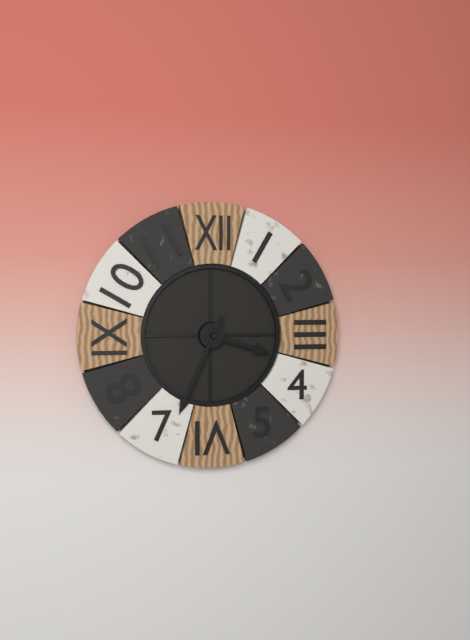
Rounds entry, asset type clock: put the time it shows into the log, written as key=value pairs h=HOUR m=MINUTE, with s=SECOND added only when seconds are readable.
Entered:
h=3 m=34
